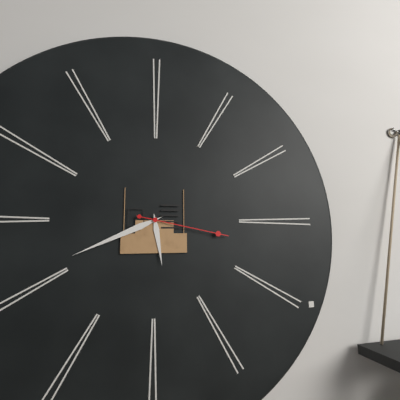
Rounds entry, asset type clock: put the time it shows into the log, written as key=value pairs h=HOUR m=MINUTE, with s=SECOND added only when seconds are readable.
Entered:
h=5 m=41 s=17
